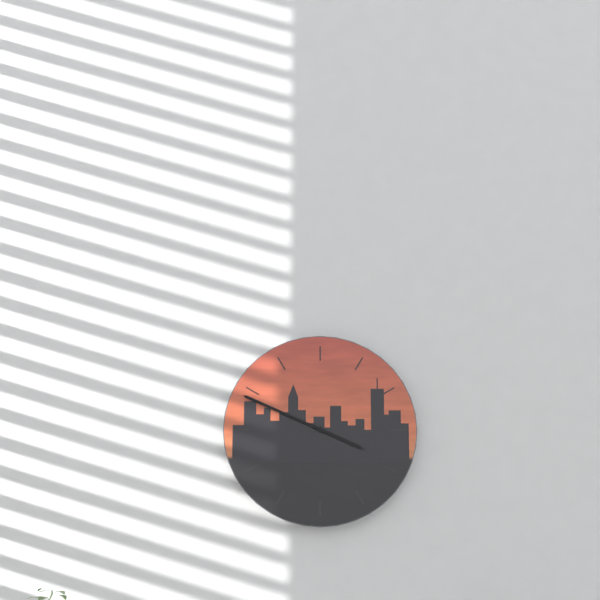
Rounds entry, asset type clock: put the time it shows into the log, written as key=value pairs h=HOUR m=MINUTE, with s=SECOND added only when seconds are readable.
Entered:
h=3 m=49
